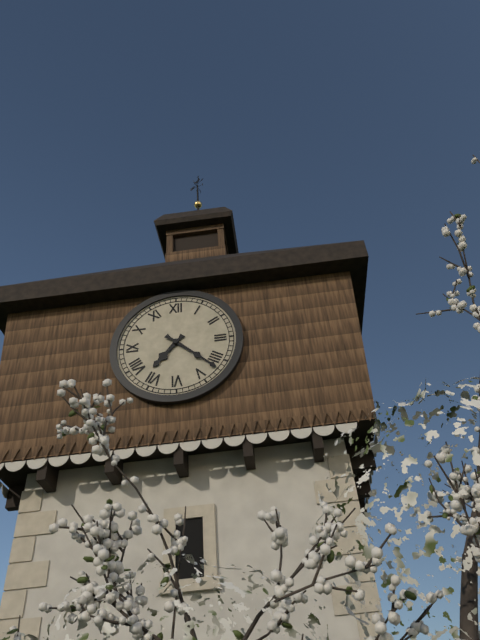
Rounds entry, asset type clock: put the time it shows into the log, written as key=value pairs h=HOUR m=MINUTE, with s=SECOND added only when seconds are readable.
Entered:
h=7 m=22
